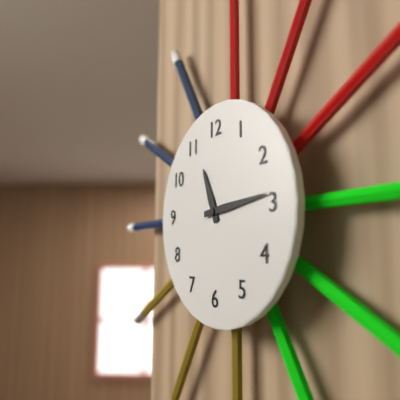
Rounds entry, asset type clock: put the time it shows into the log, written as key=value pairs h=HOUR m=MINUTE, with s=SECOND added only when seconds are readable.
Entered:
h=11 m=14
